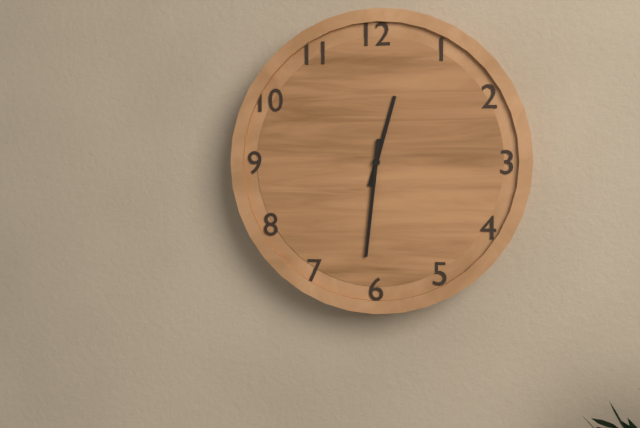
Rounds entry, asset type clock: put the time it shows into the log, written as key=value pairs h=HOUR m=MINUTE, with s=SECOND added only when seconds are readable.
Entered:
h=12 m=31
